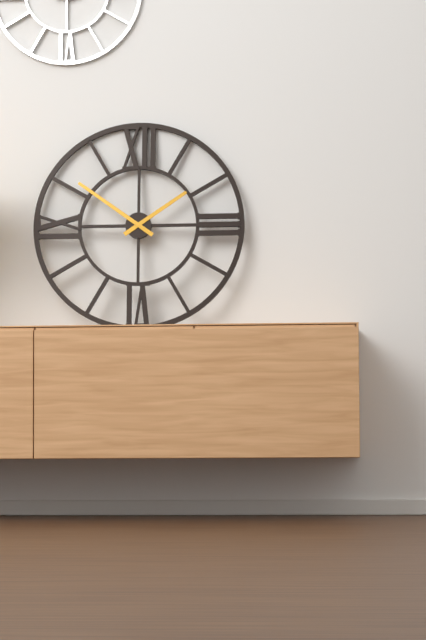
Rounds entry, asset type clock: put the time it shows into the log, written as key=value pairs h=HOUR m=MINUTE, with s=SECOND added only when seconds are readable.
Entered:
h=1 m=51
